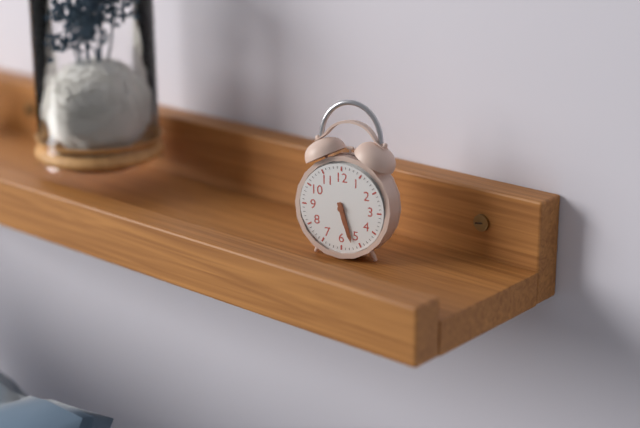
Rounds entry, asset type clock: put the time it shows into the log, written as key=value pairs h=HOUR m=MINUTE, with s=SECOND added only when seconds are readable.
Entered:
h=5 m=27
